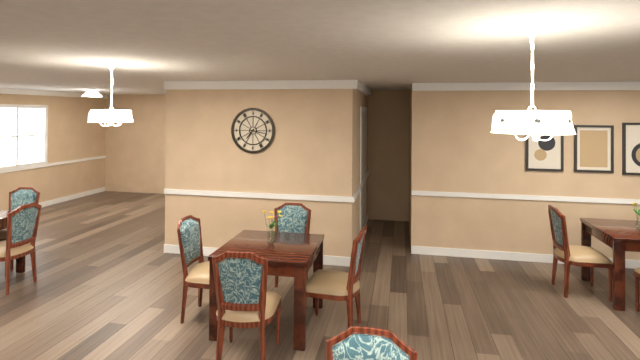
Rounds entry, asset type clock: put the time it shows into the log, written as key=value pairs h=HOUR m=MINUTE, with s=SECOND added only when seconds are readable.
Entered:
h=7 m=17
